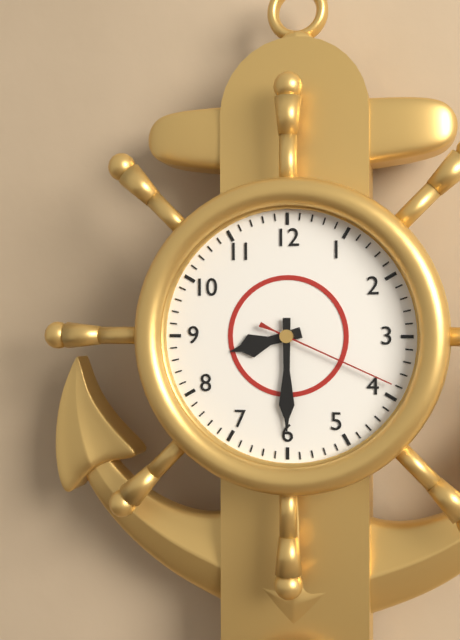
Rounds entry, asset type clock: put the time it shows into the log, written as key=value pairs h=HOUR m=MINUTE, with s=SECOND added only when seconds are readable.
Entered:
h=8 m=30 s=19
